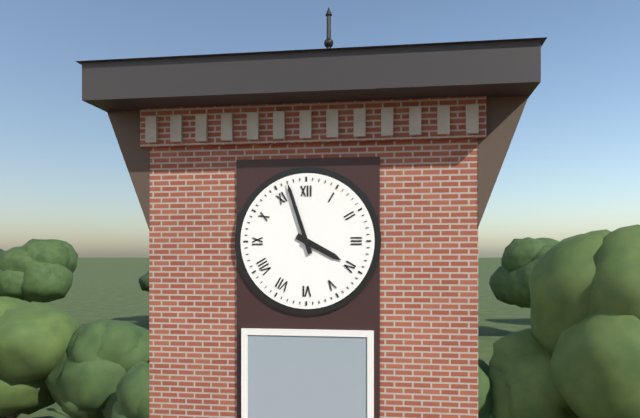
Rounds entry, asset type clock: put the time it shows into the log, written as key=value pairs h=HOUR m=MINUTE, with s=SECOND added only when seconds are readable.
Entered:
h=3 m=57
